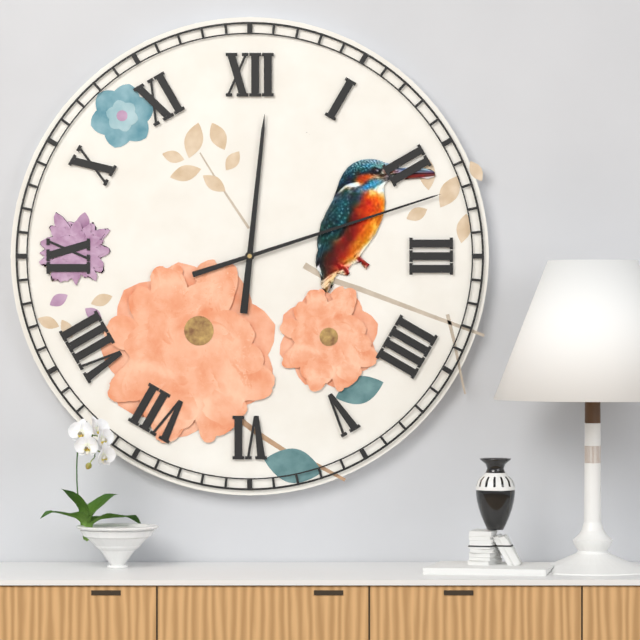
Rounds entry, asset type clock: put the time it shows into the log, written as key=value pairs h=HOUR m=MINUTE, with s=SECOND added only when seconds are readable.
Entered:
h=12 m=12
